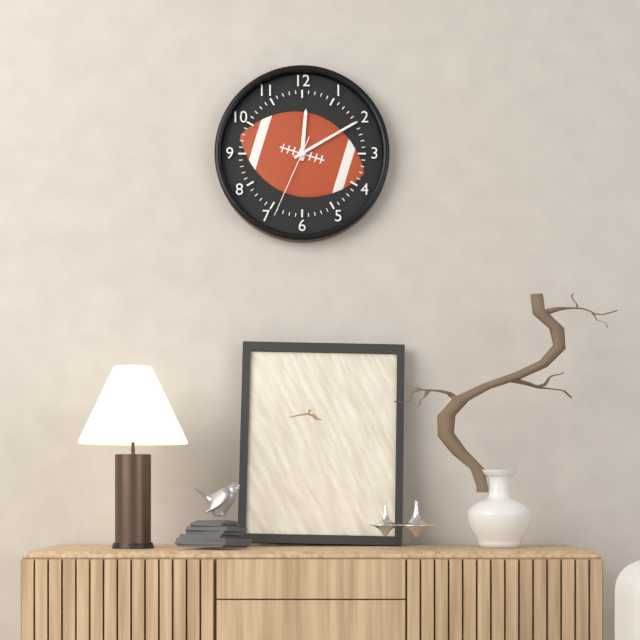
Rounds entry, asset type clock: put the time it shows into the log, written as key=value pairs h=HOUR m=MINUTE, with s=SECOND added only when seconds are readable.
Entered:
h=12 m=10 s=34
